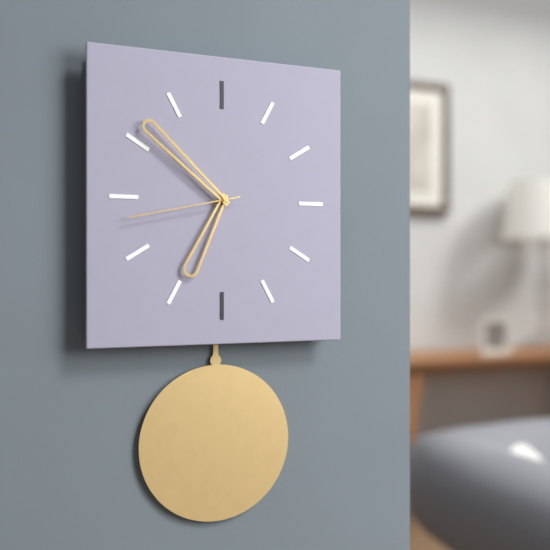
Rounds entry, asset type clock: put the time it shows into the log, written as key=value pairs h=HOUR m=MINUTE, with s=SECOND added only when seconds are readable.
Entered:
h=6 m=52 s=43
